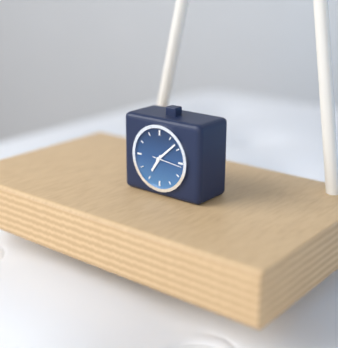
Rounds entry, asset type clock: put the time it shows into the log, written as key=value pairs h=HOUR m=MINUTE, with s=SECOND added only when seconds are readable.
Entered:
h=7 m=8
